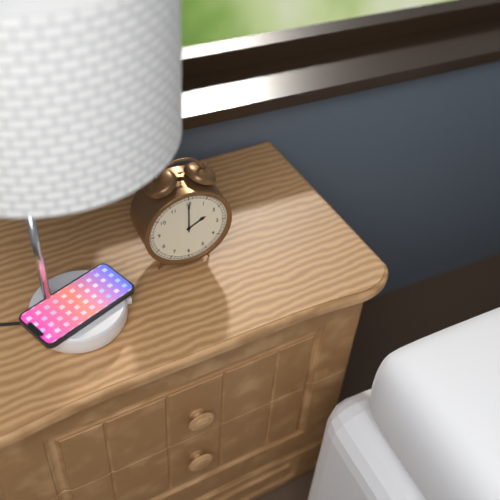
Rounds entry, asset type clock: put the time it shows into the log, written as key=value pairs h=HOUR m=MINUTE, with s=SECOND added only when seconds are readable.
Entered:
h=2 m=0
